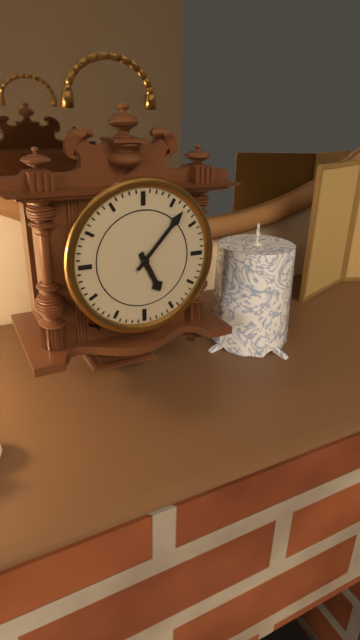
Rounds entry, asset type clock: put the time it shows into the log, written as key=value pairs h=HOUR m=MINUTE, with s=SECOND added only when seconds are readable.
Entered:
h=5 m=7
